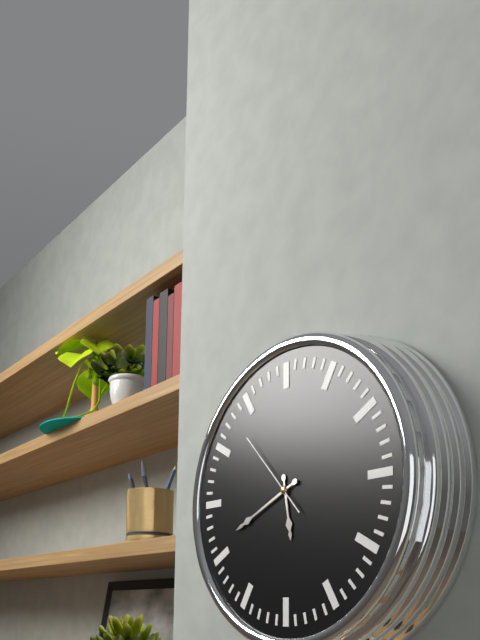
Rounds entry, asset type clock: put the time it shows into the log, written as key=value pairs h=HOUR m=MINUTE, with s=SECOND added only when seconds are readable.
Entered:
h=5 m=41 s=53
